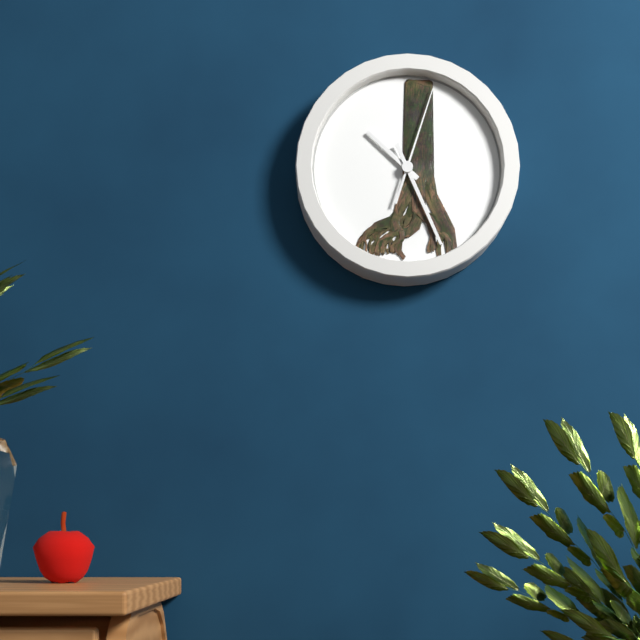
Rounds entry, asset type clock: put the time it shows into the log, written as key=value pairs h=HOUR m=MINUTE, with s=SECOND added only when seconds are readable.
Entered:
h=10 m=26 s=3
